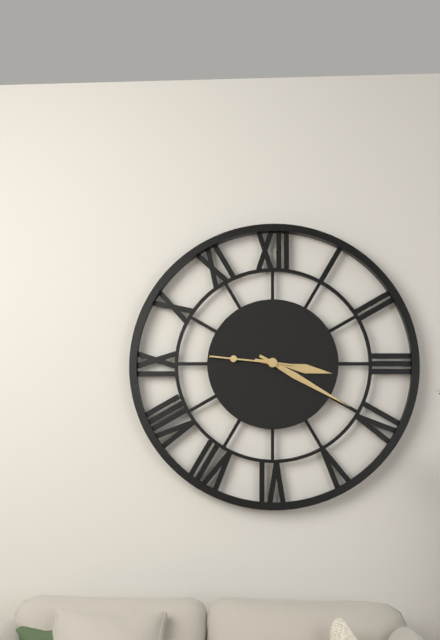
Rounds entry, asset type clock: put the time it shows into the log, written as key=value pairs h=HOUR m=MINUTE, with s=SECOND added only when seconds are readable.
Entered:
h=3 m=20 s=46
